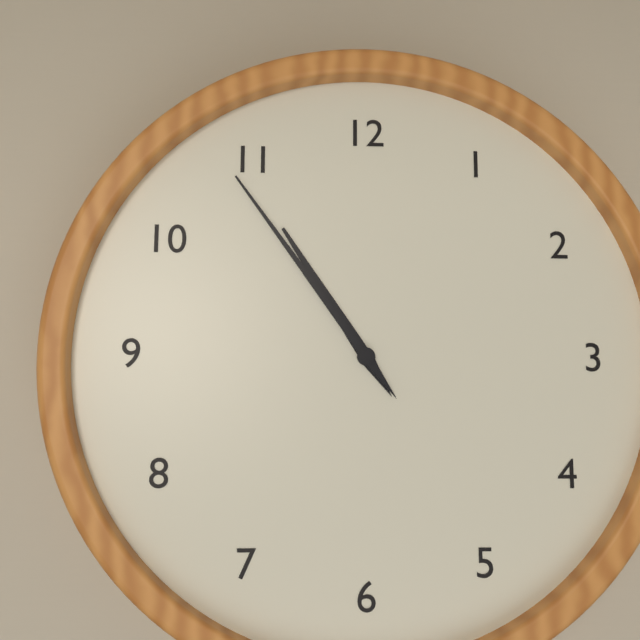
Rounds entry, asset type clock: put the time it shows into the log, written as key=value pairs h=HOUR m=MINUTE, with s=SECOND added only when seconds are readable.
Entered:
h=10 m=54
